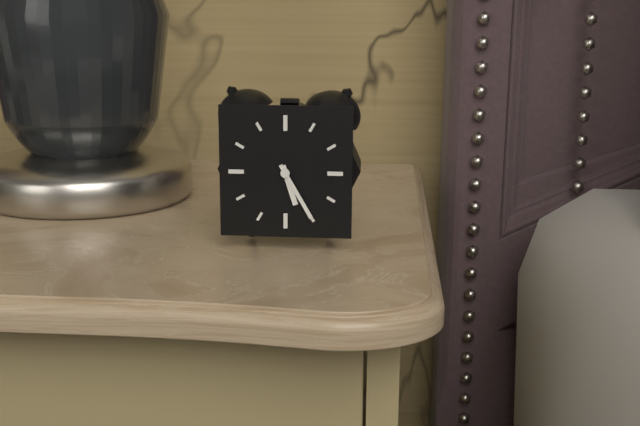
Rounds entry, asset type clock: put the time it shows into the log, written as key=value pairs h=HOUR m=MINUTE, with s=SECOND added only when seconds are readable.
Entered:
h=5 m=25
